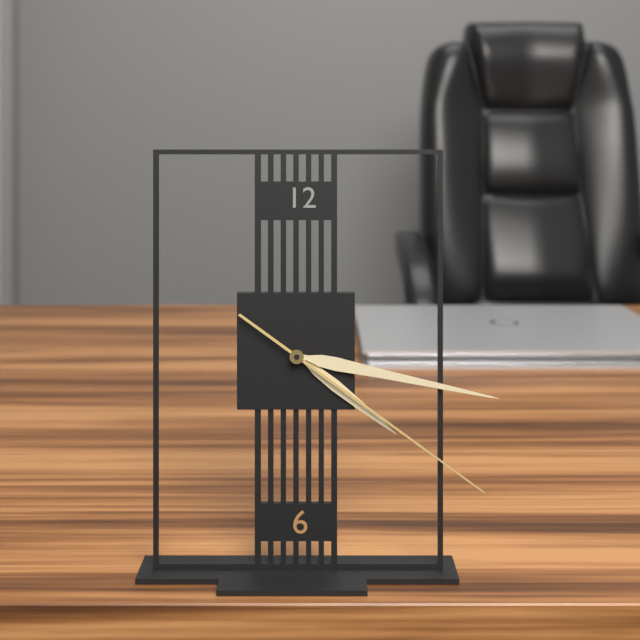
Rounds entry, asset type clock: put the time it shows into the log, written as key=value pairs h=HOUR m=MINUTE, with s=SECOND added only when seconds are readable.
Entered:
h=4 m=17 s=21
